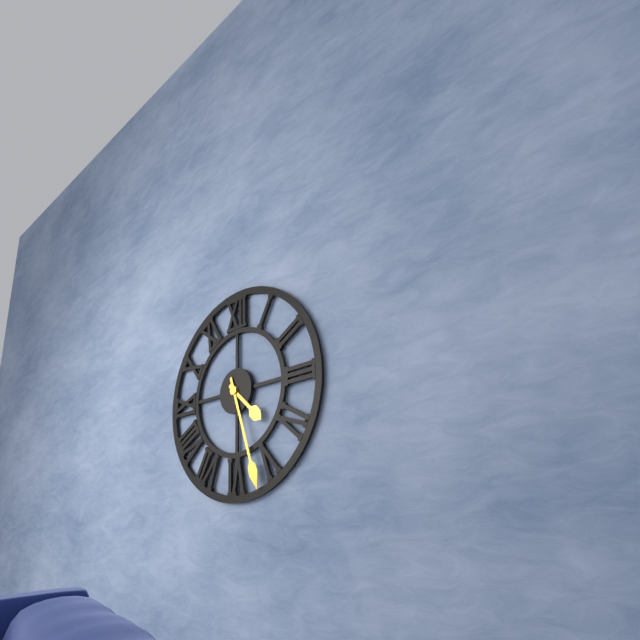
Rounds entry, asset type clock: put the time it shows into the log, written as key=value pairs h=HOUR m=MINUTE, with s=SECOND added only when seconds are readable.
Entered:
h=4 m=27
